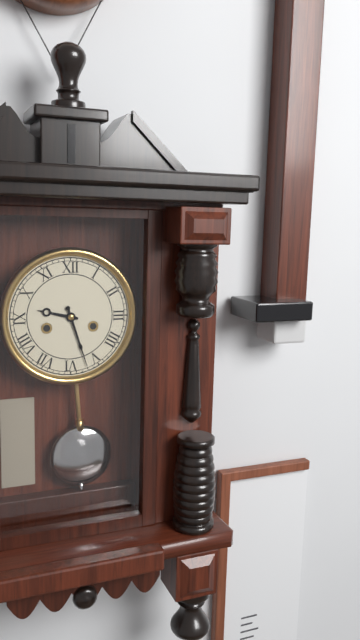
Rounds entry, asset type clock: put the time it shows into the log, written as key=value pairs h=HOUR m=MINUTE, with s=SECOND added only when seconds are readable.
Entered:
h=9 m=27
